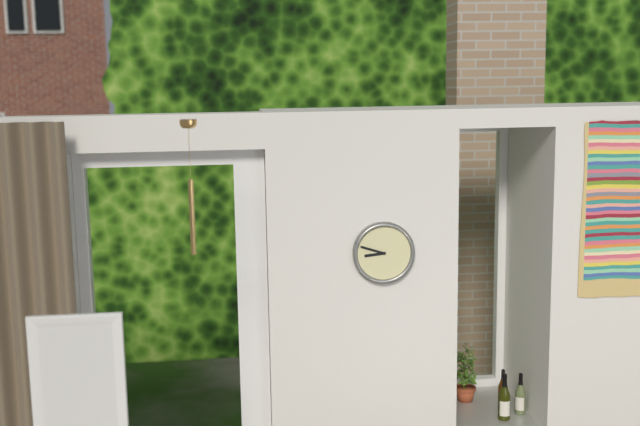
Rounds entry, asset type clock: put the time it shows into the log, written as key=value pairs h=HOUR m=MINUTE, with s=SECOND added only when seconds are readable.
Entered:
h=8 m=48
